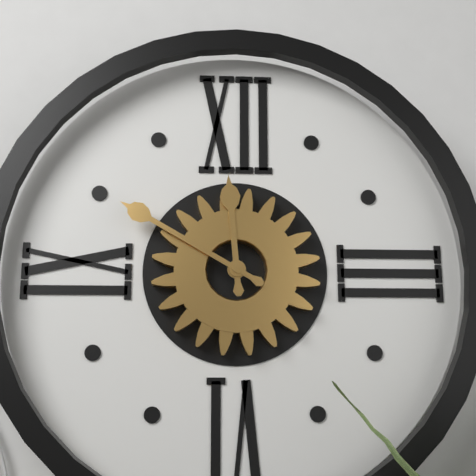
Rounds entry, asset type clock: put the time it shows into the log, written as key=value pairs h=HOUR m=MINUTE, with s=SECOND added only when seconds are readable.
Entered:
h=11 m=50
